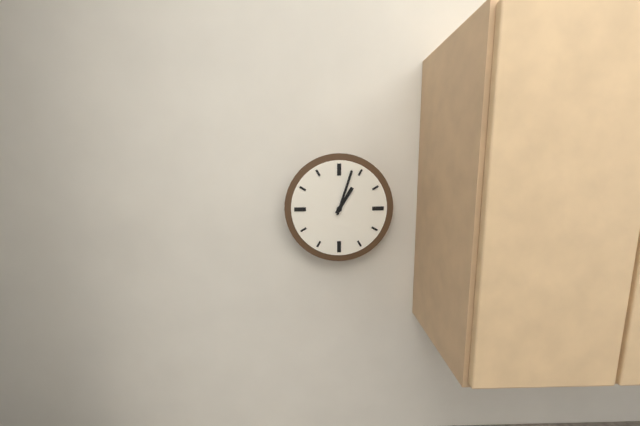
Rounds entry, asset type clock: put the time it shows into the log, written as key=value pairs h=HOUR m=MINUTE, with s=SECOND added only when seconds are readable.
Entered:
h=1 m=3
